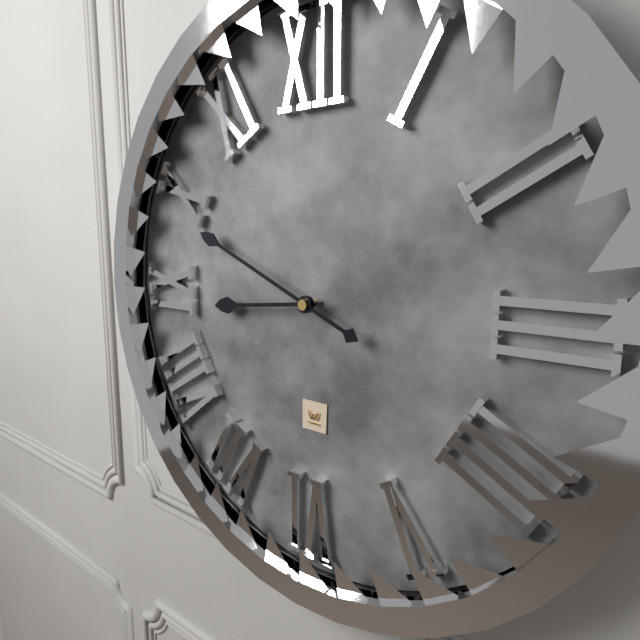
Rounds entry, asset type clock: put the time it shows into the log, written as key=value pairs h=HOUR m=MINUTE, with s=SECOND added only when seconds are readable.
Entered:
h=8 m=49
